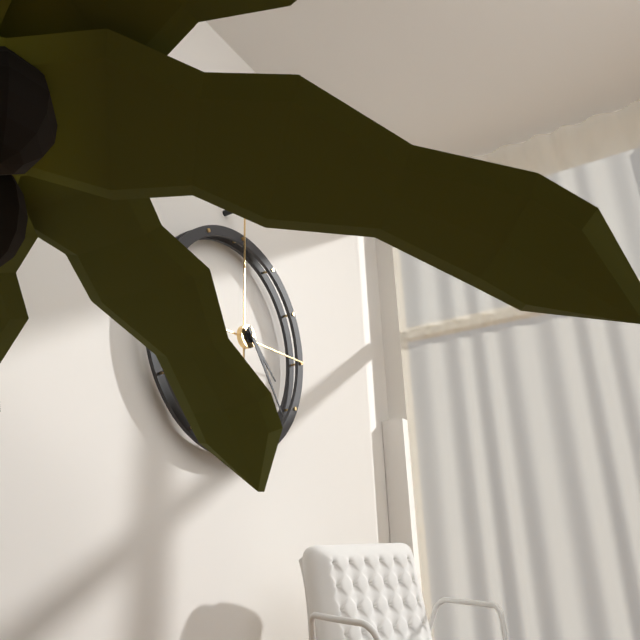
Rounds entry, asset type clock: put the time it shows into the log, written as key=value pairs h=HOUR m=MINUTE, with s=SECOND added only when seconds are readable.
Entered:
h=4 m=24
